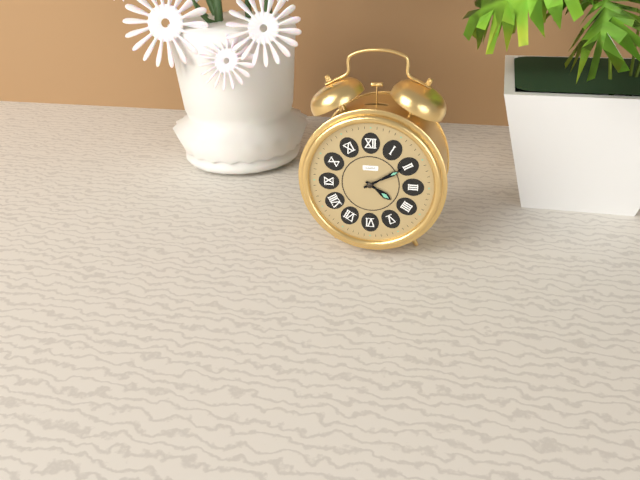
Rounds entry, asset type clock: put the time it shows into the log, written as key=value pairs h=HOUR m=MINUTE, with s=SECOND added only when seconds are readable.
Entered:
h=4 m=10
